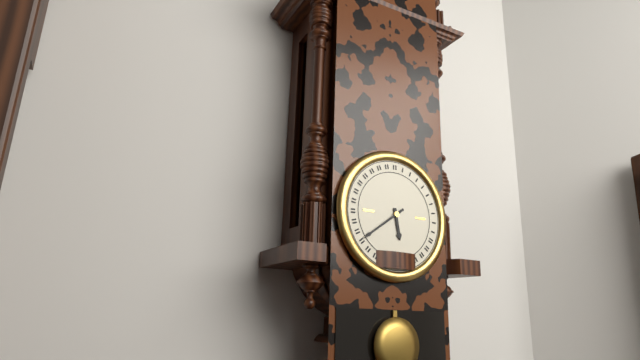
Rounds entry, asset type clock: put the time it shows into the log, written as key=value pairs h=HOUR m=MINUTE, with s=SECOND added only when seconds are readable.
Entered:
h=5 m=39
